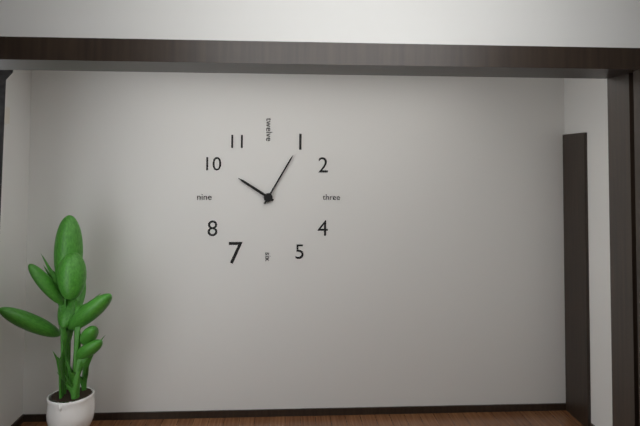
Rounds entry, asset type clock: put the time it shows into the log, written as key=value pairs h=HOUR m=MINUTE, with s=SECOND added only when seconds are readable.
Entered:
h=10 m=5
